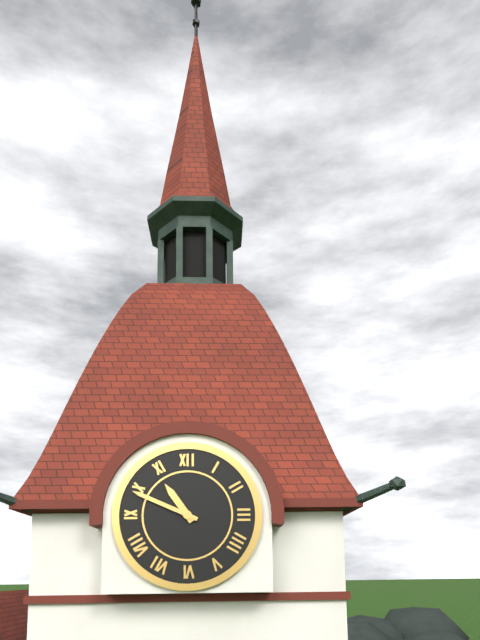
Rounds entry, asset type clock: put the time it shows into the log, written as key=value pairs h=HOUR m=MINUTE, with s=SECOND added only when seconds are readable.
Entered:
h=10 m=49
